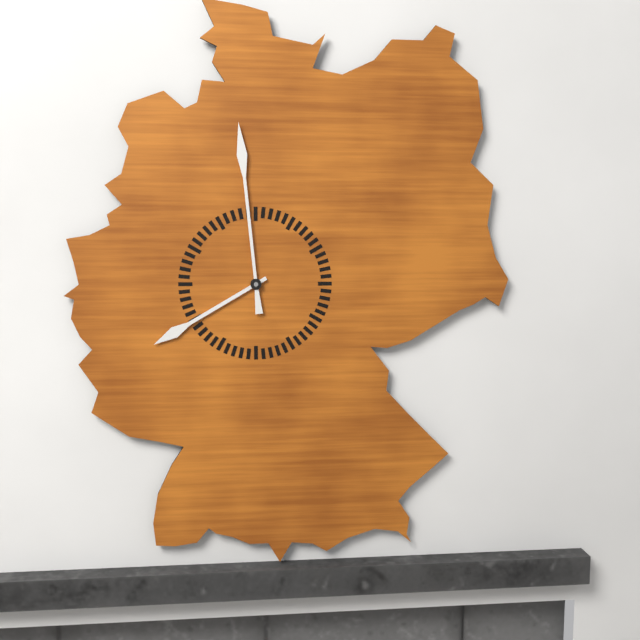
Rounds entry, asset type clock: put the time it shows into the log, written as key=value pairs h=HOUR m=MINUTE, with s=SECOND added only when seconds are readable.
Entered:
h=7 m=59
